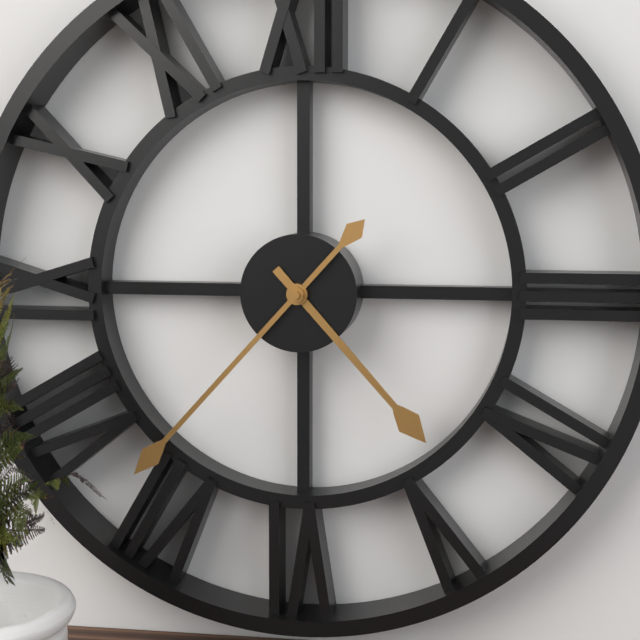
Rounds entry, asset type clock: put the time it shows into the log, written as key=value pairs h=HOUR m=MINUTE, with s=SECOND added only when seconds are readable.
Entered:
h=4 m=37
